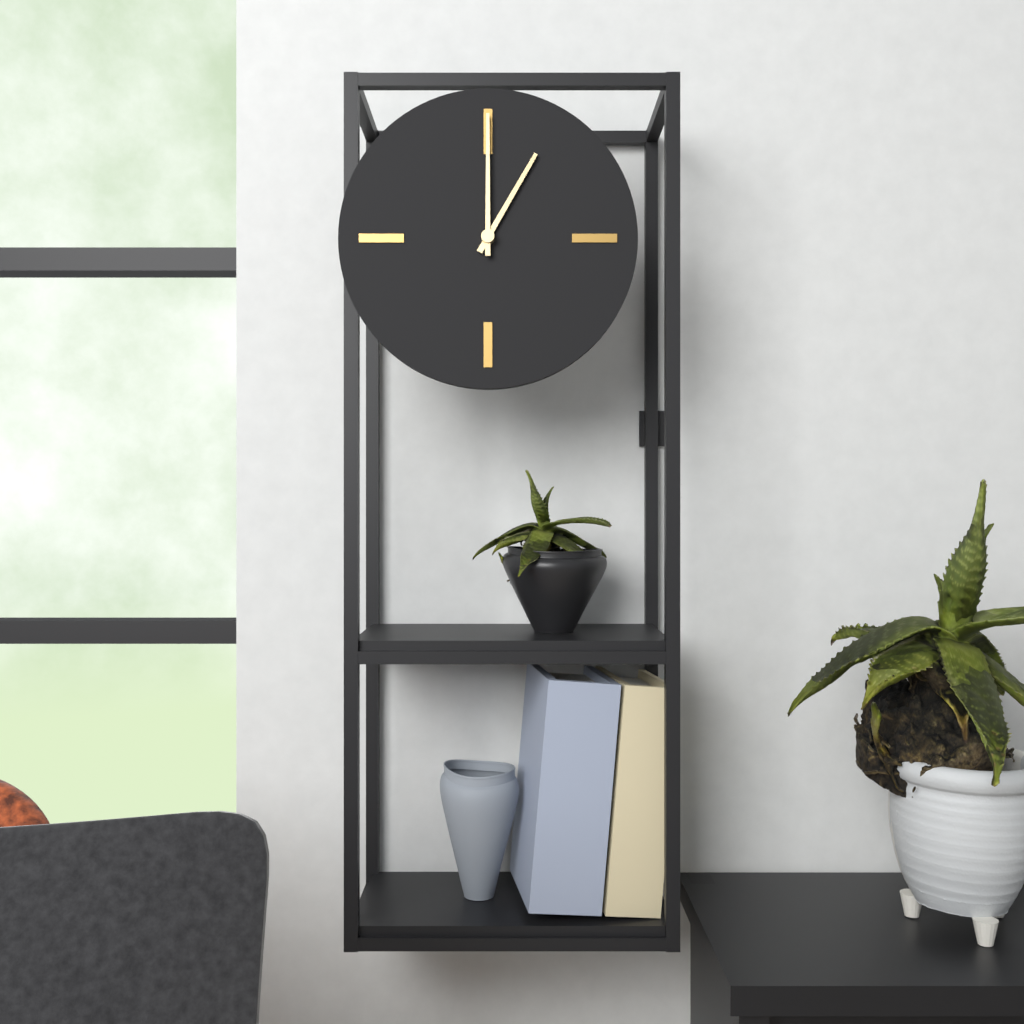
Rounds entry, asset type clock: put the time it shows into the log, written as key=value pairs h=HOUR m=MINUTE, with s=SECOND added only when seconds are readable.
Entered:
h=1 m=0
